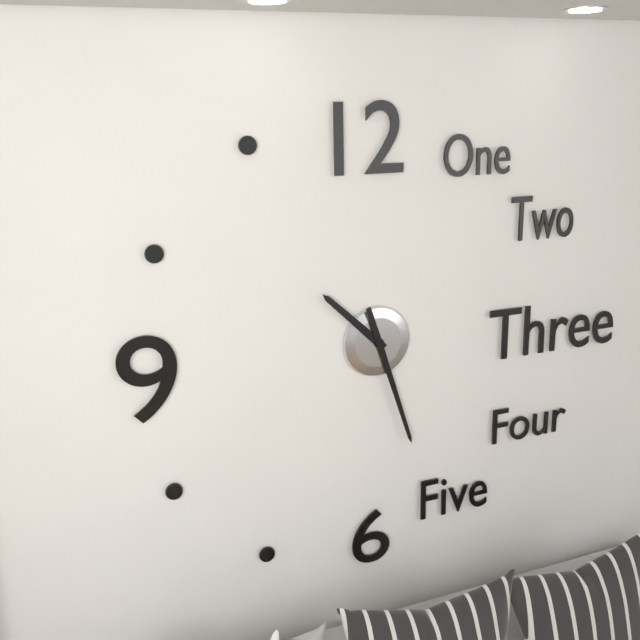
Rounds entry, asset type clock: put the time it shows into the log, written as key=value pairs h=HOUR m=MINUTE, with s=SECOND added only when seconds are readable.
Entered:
h=10 m=27
